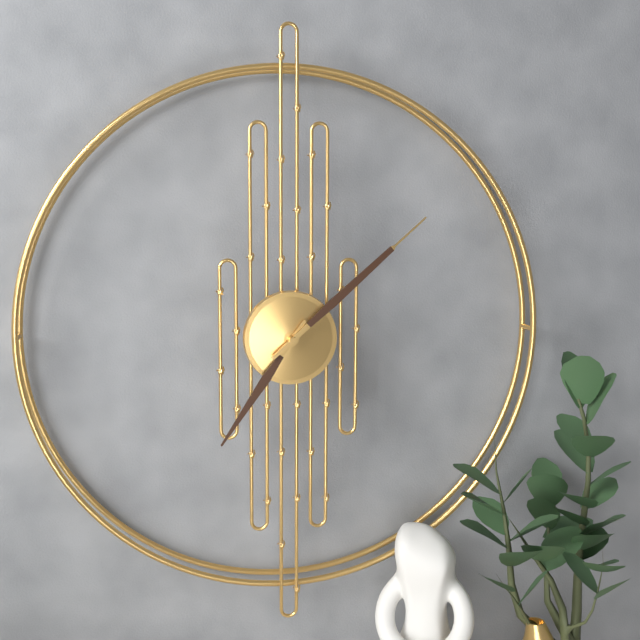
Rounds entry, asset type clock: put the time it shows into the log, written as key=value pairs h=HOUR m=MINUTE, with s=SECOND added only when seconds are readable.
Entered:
h=7 m=8
